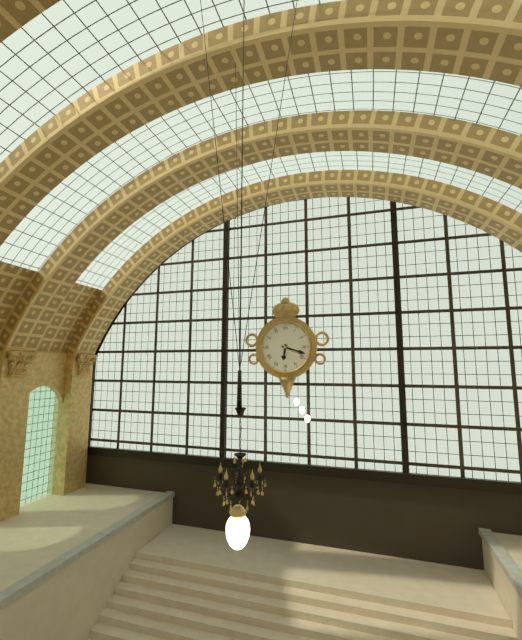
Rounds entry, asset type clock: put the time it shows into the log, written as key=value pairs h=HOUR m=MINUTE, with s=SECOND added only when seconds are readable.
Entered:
h=6 m=18
